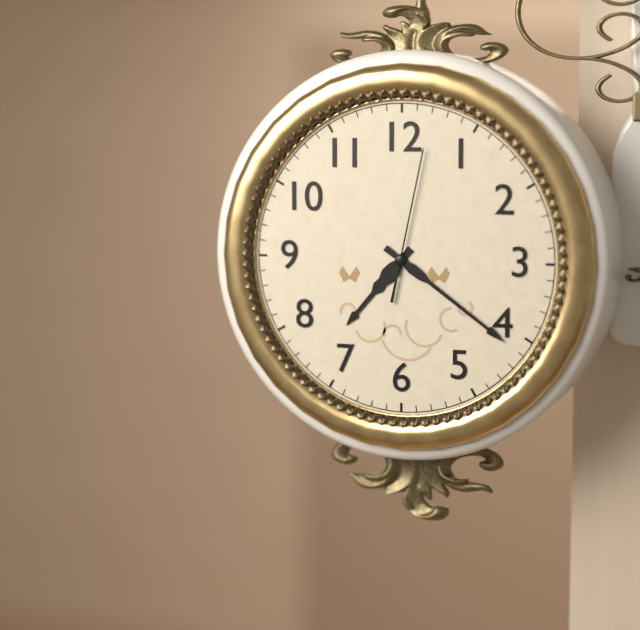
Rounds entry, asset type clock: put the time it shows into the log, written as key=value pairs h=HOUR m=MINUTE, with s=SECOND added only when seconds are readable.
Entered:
h=7 m=21 s=2
